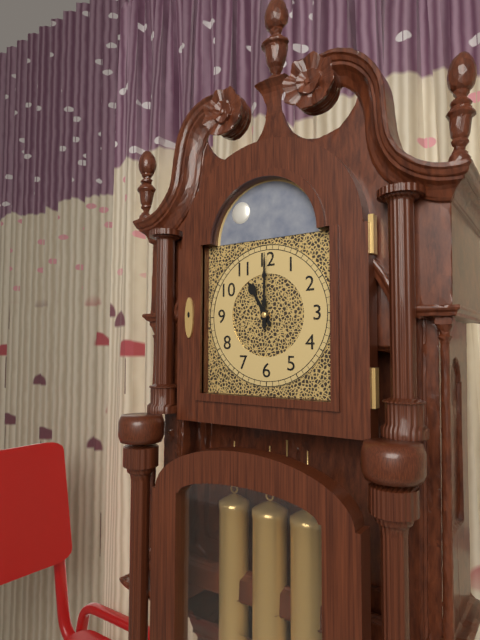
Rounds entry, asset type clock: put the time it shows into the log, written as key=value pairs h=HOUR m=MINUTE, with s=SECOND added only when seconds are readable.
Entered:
h=11 m=0
